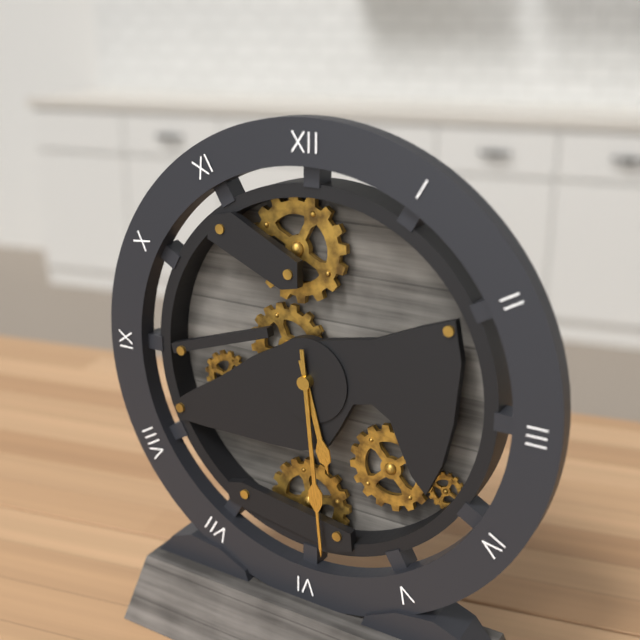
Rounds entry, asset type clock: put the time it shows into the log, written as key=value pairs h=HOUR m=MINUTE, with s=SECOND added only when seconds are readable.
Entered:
h=5 m=29
